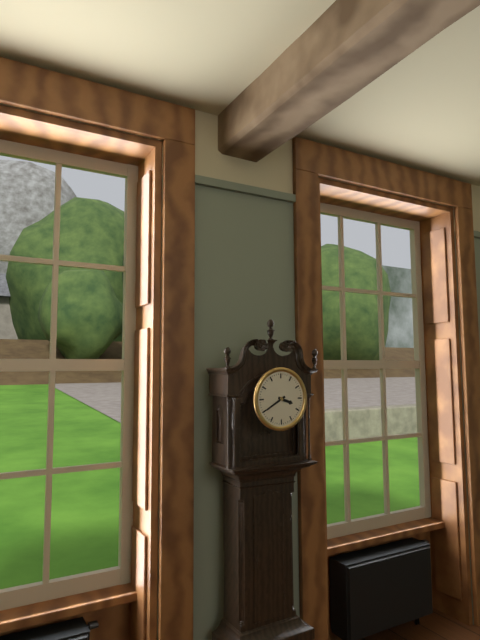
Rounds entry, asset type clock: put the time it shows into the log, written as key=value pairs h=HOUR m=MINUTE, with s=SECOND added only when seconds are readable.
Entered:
h=3 m=40
